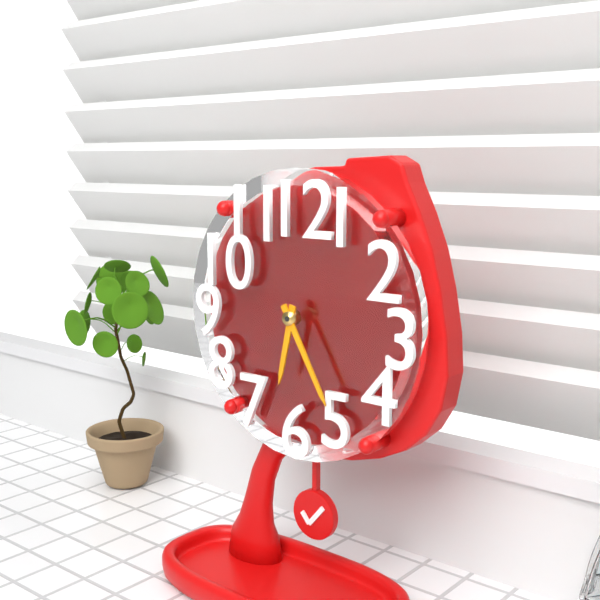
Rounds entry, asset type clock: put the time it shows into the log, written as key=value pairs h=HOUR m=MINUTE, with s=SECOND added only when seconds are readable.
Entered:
h=6 m=25
